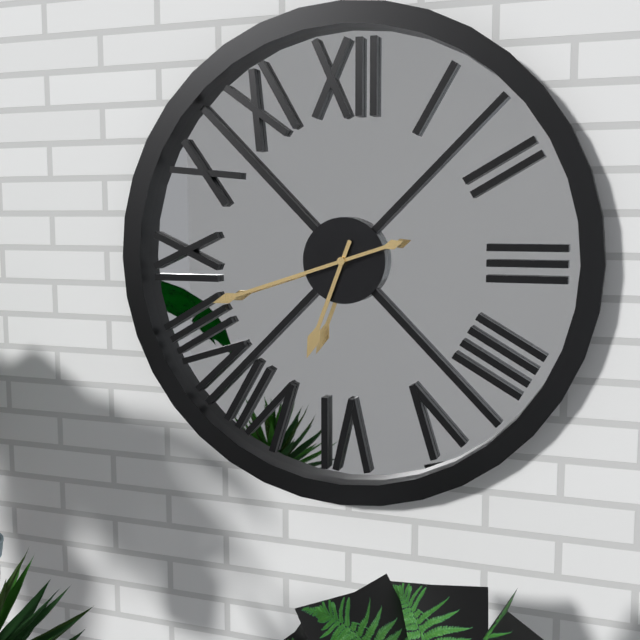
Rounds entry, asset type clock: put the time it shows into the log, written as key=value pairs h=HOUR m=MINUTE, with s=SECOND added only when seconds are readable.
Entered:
h=6 m=42
